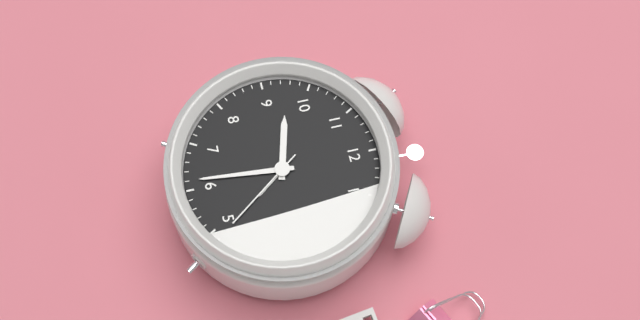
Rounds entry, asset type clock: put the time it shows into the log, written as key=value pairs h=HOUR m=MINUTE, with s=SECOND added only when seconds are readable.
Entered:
h=9 m=31 s=24
